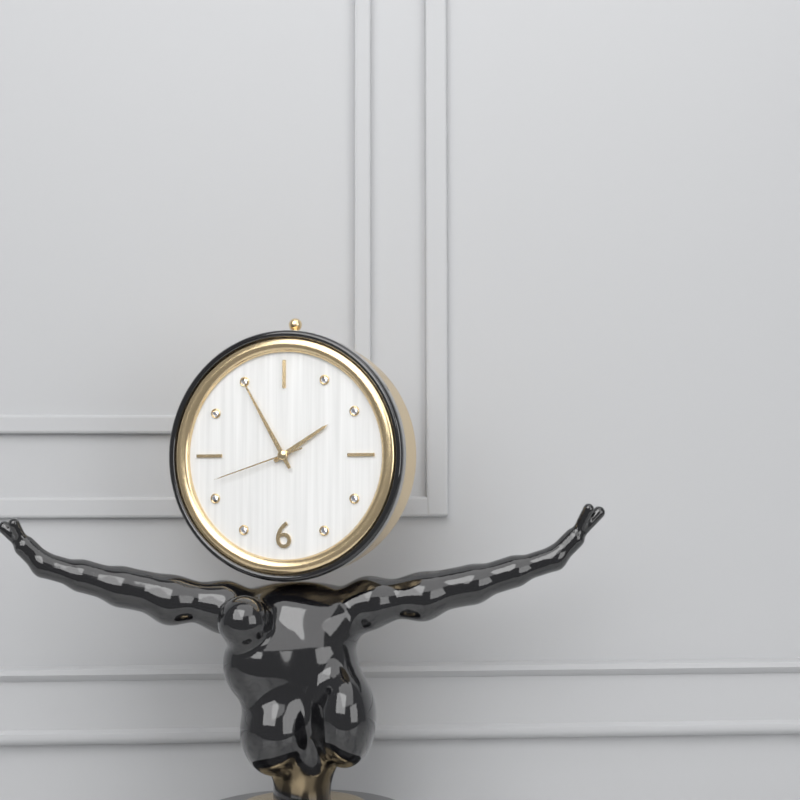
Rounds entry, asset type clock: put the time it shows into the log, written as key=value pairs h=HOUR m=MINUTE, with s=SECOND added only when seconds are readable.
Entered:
h=1 m=55 s=42
